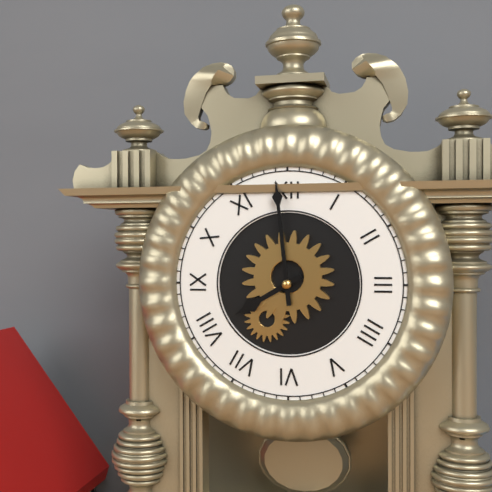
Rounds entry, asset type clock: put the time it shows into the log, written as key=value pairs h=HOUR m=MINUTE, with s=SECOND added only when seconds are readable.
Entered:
h=7 m=59
